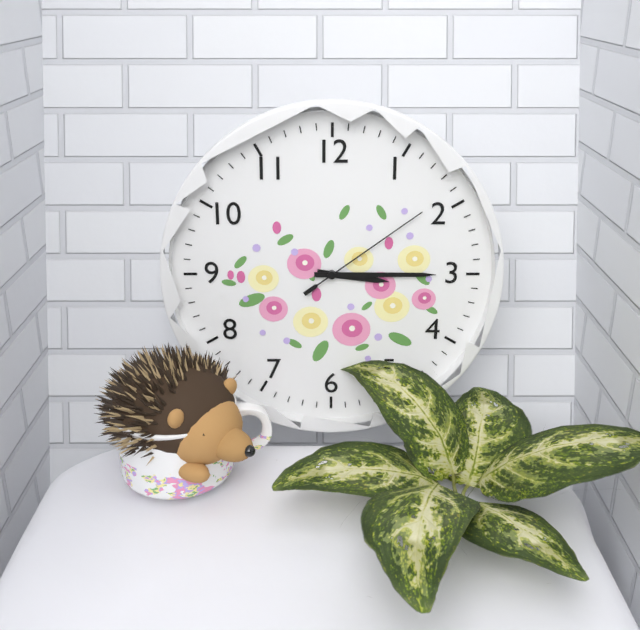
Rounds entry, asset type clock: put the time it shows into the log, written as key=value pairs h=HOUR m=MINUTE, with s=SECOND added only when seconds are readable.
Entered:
h=3 m=15 s=9
